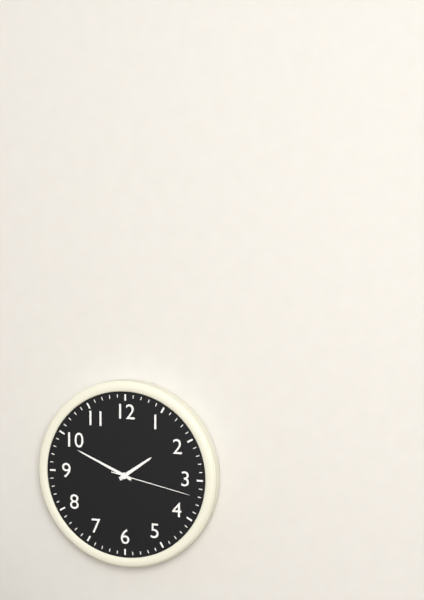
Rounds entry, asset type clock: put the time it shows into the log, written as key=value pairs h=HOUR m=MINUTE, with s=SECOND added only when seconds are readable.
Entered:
h=1 m=49 s=17
